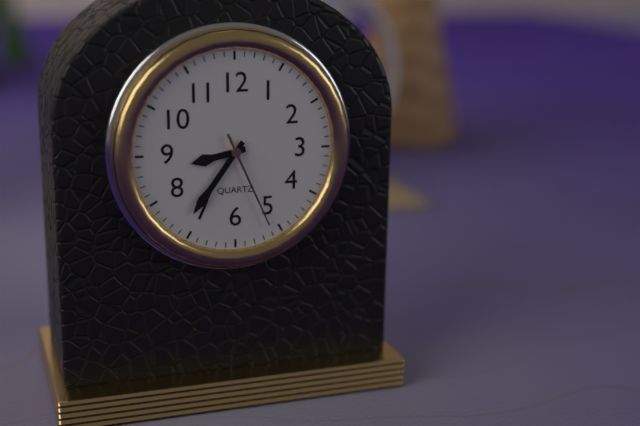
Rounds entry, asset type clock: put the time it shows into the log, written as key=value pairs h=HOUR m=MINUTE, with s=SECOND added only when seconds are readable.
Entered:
h=8 m=36 s=26
